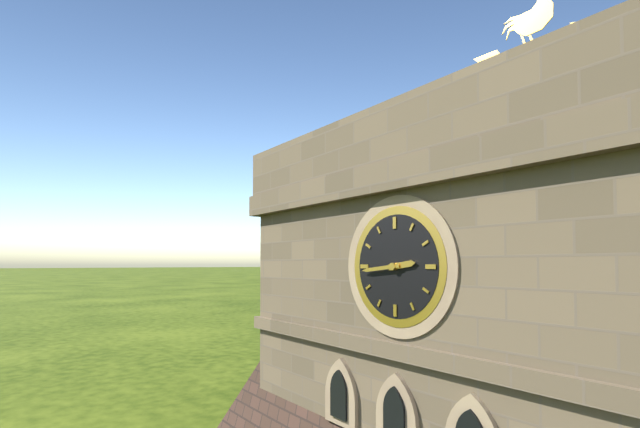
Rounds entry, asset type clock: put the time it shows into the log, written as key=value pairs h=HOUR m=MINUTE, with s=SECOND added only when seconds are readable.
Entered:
h=2 m=44
